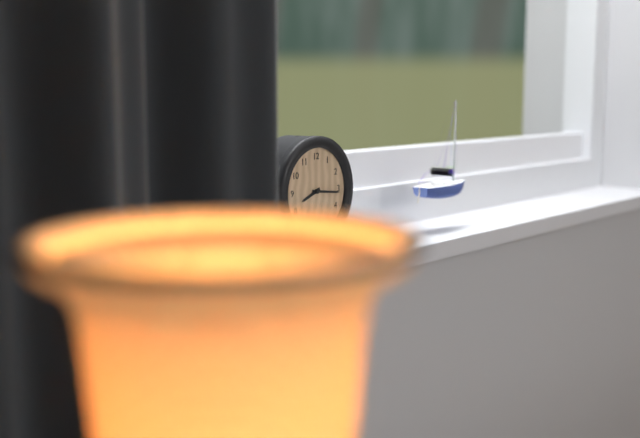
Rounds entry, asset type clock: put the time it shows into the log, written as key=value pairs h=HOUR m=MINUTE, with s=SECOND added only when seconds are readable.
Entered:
h=8 m=16
